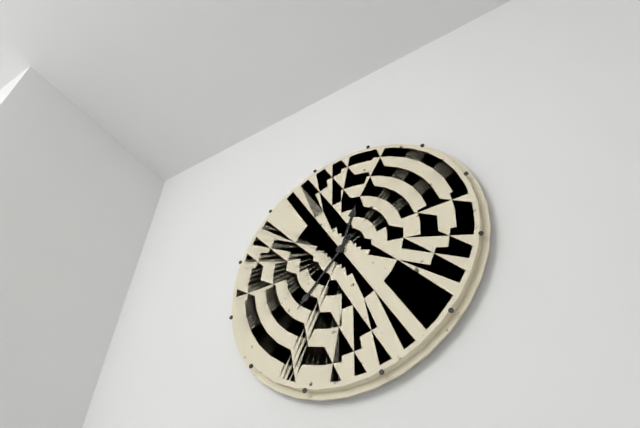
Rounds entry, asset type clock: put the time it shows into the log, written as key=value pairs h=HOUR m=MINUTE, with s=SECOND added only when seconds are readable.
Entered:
h=12 m=37
